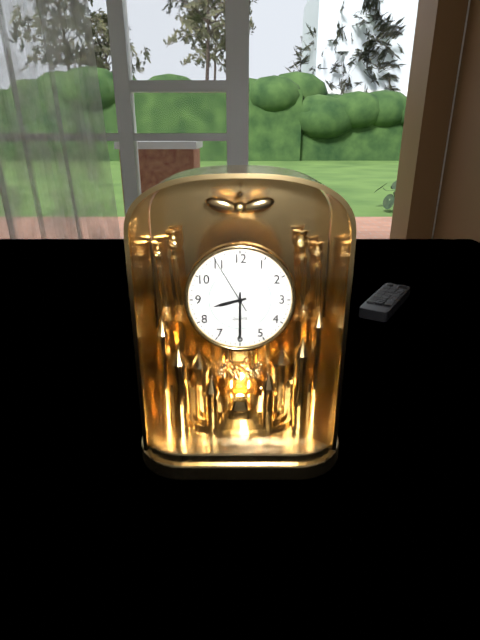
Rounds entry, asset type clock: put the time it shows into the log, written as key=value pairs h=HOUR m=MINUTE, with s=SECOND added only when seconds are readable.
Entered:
h=8 m=30 s=55
